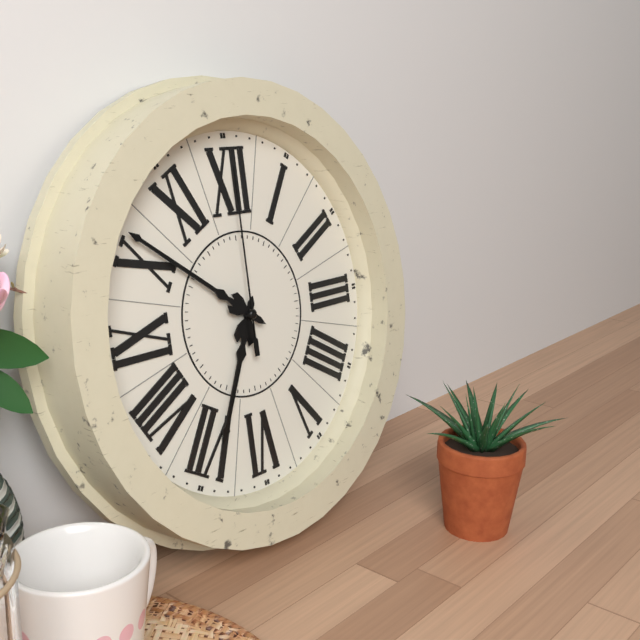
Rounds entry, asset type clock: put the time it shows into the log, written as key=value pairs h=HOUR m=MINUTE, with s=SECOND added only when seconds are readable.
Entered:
h=6 m=51 s=0
